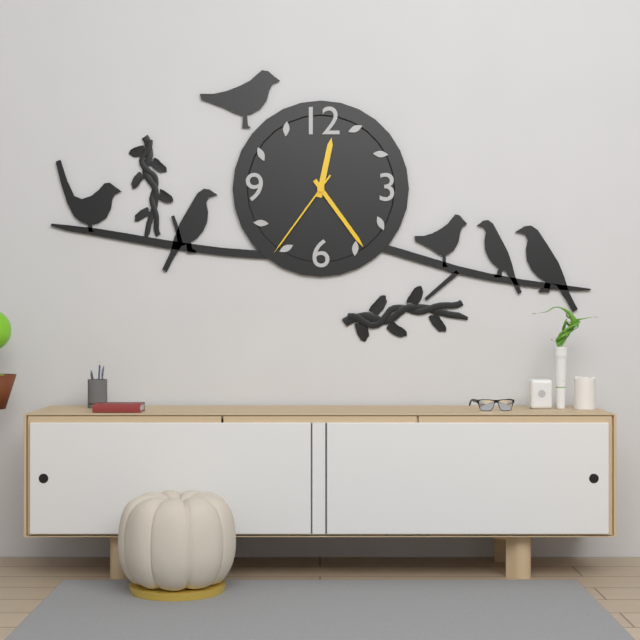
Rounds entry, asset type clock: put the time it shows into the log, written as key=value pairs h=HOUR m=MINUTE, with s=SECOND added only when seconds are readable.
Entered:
h=12 m=24 s=36
